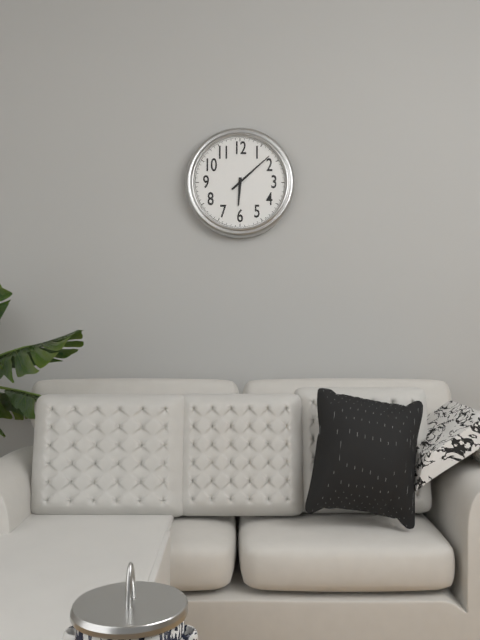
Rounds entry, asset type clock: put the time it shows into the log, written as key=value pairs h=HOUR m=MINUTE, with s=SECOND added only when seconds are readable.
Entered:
h=6 m=8
